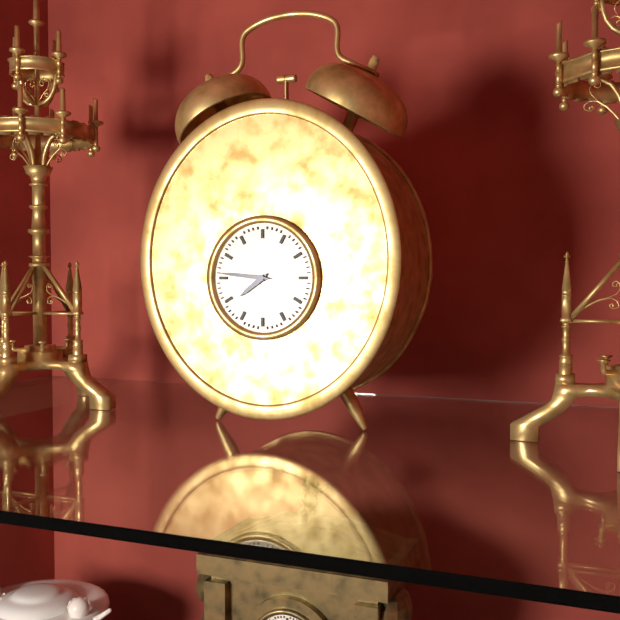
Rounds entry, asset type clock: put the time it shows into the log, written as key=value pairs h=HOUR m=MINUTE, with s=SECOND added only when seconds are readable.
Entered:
h=7 m=46
